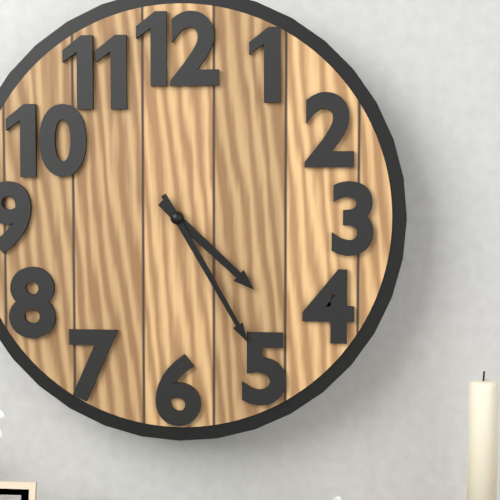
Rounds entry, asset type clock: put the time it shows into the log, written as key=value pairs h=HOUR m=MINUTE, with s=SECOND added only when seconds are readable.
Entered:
h=4 m=25
